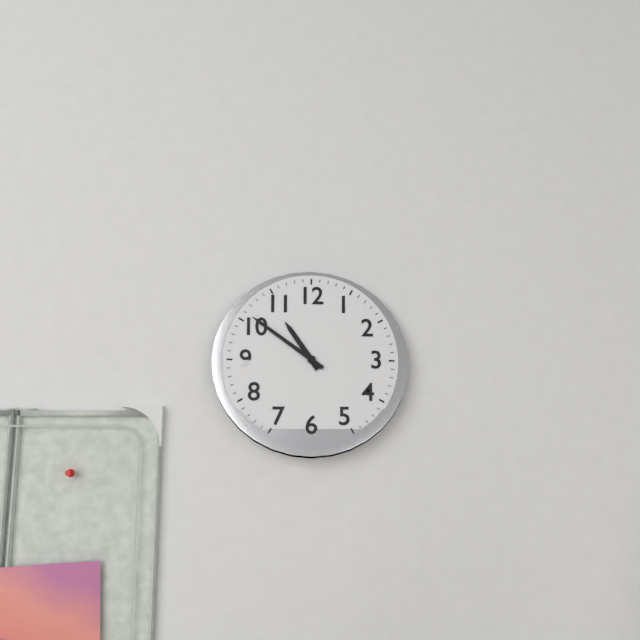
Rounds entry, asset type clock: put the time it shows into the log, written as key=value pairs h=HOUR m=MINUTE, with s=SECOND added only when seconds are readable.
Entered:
h=10 m=51
